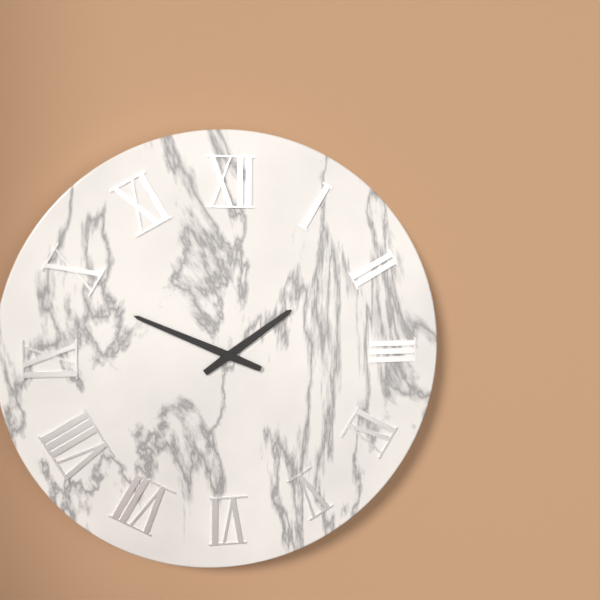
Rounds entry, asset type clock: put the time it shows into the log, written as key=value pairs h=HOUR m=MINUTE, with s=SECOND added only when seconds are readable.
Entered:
h=1 m=49
